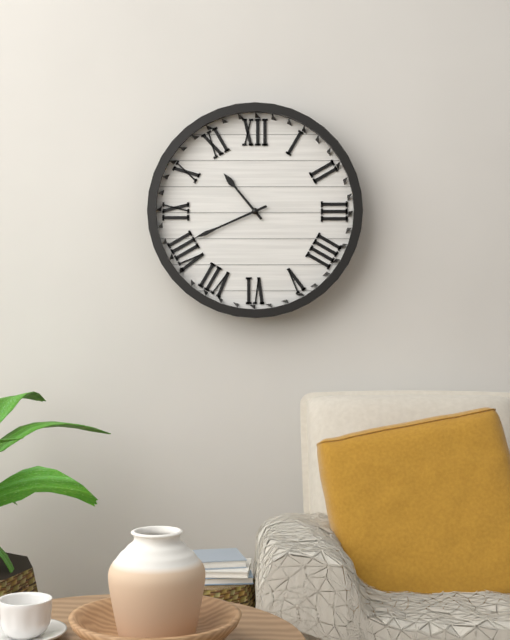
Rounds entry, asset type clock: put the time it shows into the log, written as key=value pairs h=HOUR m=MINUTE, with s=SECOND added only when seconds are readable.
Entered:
h=10 m=41
